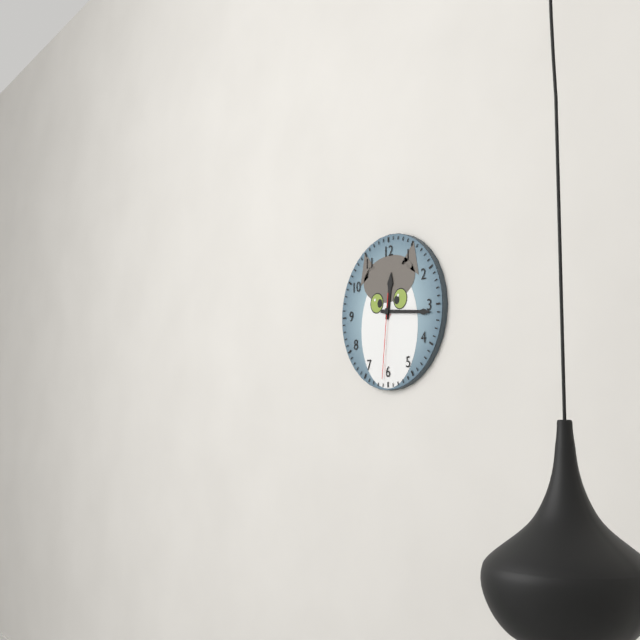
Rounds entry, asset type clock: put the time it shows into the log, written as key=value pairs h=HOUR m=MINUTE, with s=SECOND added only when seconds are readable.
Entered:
h=12 m=16 s=31
